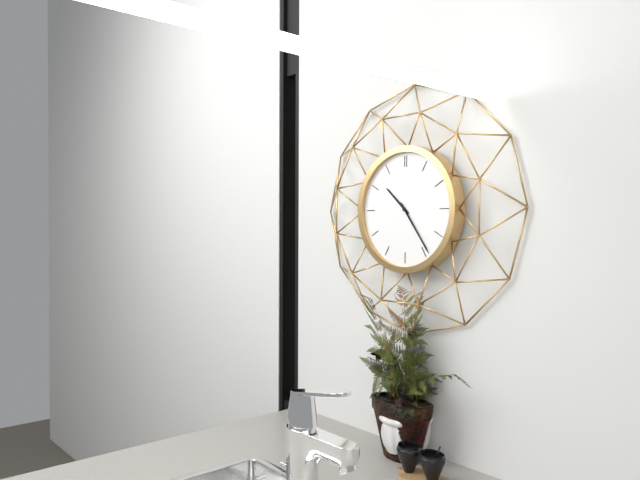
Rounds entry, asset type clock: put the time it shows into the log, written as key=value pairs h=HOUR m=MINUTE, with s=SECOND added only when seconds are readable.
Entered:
h=10 m=24
